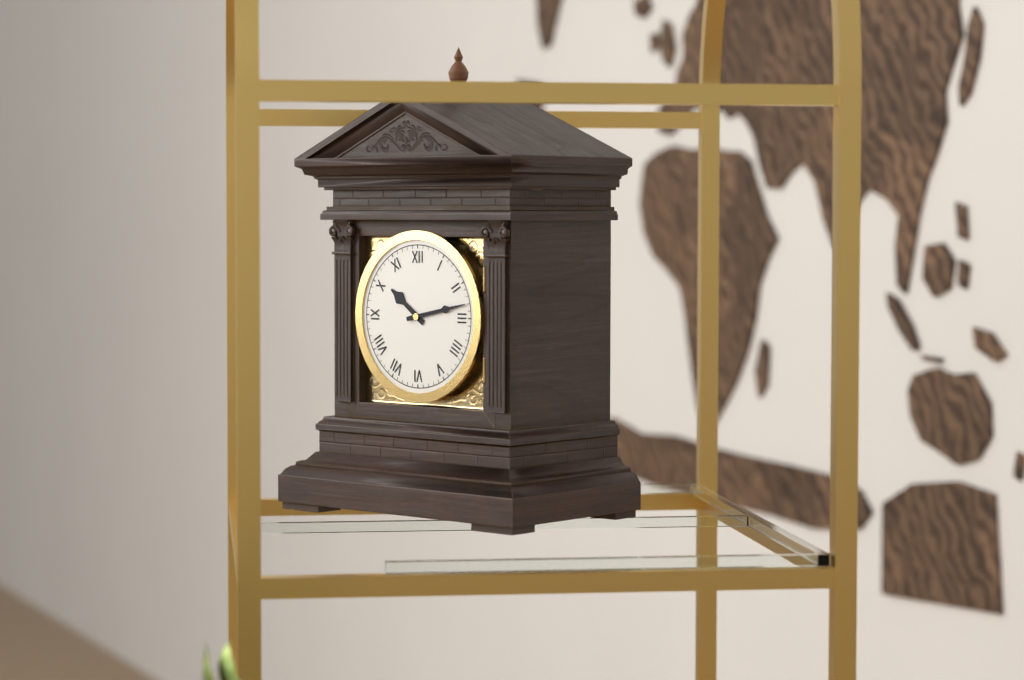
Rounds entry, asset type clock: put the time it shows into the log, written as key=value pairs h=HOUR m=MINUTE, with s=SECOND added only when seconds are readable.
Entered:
h=10 m=13
